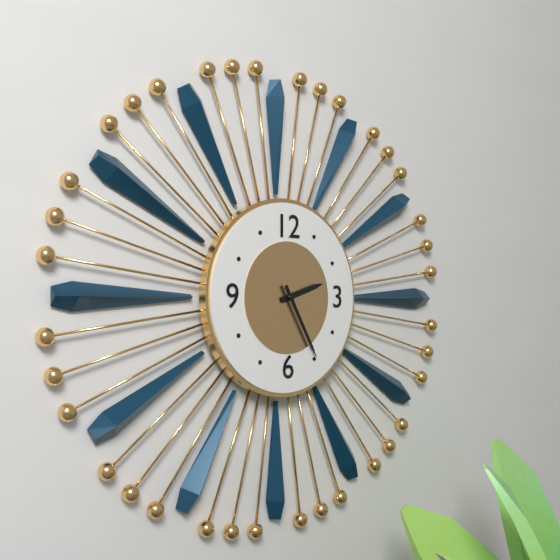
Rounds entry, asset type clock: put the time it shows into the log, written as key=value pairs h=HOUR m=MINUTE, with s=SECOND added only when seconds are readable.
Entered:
h=2 m=25
